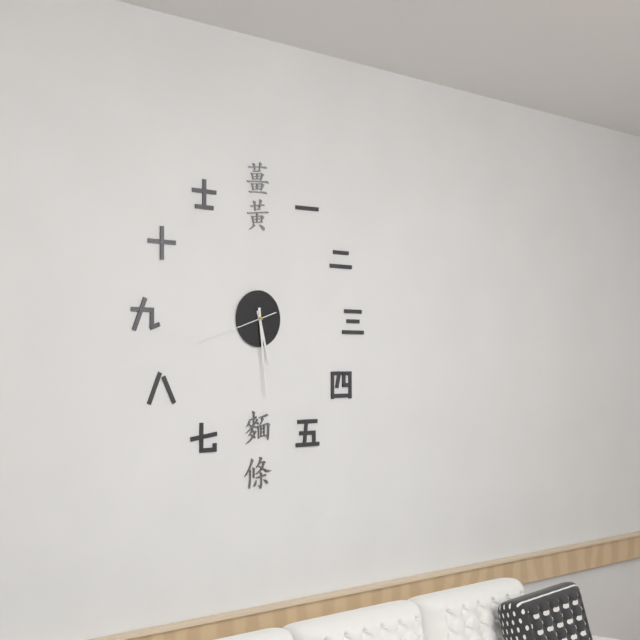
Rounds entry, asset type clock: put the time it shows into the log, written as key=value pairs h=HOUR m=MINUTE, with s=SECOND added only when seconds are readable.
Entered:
h=5 m=29 s=42
